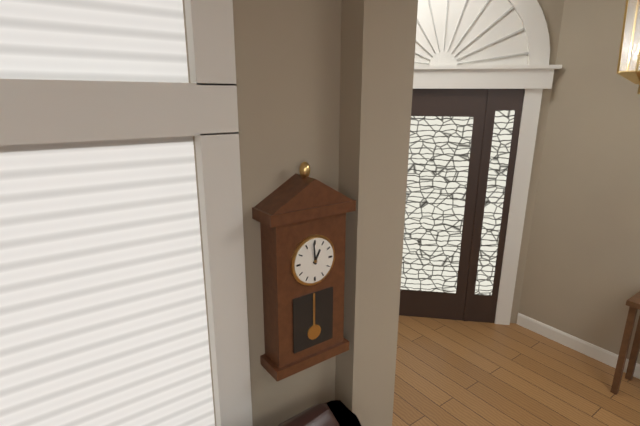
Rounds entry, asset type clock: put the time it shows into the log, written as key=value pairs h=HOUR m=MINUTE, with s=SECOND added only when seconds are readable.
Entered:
h=12 m=59
